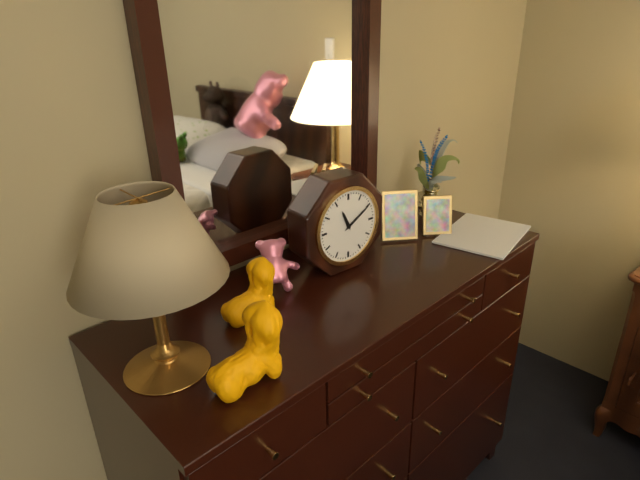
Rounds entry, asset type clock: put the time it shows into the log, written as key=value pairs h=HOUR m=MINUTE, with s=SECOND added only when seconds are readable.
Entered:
h=11 m=10
